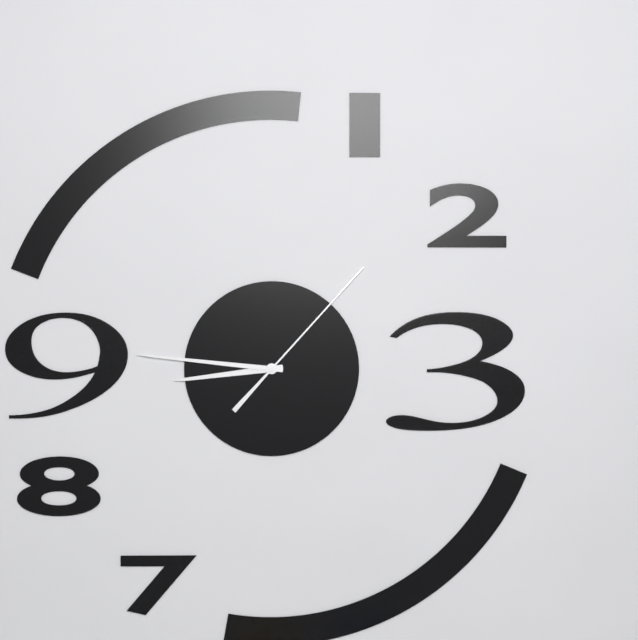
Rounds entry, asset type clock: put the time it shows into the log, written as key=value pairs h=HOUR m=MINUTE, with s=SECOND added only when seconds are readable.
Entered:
h=8 m=46 s=7
